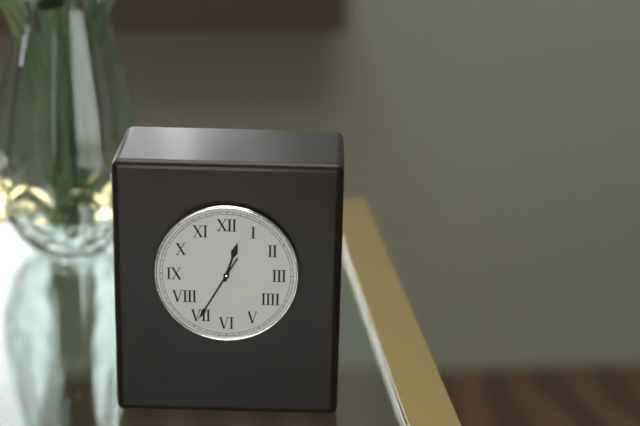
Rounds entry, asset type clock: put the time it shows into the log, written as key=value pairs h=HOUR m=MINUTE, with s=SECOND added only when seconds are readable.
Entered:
h=12 m=35
